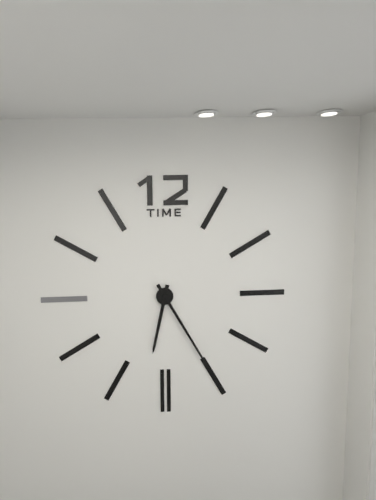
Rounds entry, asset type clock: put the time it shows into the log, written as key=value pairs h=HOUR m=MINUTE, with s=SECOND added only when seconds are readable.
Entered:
h=6 m=25
